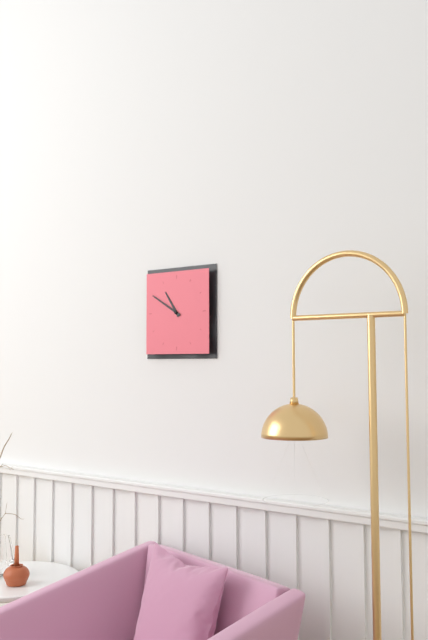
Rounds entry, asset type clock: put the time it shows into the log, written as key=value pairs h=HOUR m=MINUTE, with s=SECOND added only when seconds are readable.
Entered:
h=10 m=50
